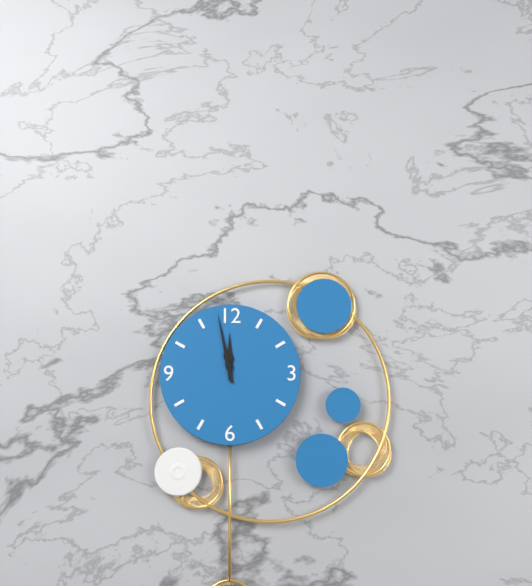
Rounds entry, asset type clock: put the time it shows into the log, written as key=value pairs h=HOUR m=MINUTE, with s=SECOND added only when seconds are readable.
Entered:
h=11 m=58
